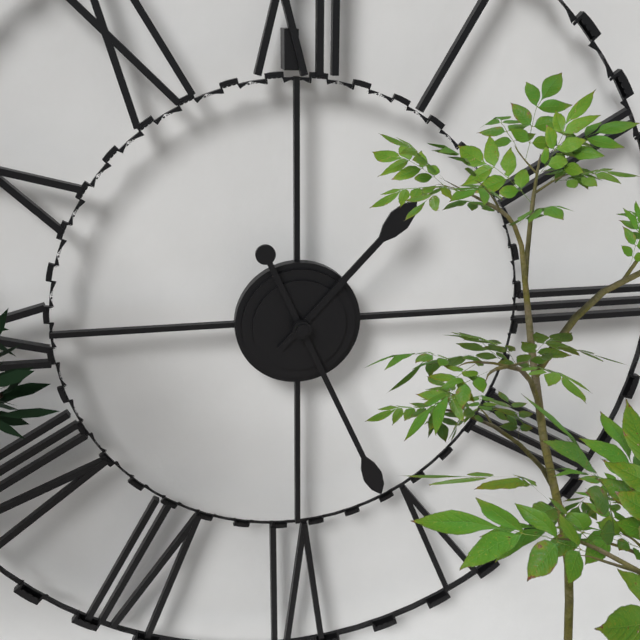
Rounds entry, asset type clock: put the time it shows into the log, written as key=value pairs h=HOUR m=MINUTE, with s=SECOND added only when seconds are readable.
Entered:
h=1 m=26
